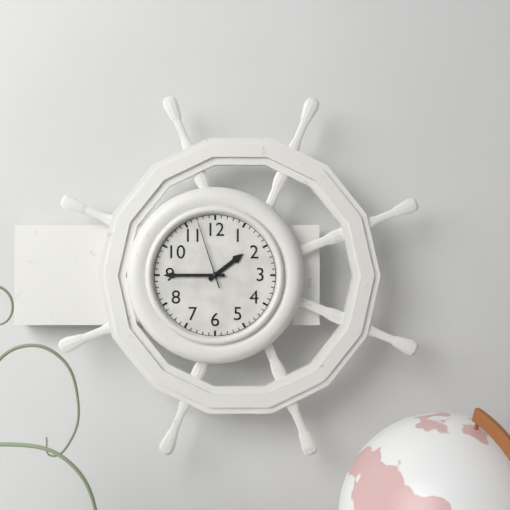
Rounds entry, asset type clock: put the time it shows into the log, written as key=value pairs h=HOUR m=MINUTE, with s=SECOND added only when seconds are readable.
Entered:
h=1 m=45 s=57
